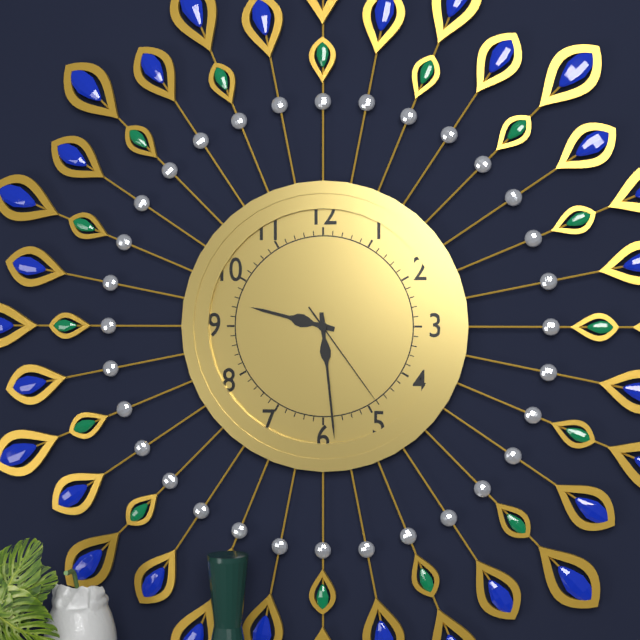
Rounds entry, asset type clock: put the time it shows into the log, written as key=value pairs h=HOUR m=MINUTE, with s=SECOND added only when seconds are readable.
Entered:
h=9 m=29 s=24
